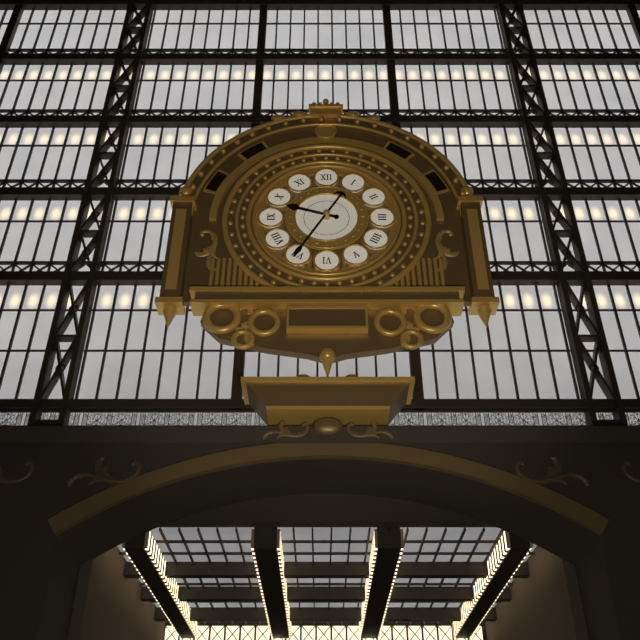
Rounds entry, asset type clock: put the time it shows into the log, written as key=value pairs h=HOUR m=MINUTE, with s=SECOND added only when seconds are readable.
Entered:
h=9 m=35
